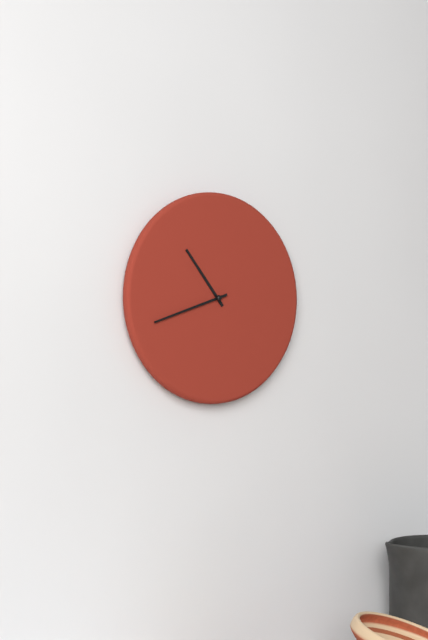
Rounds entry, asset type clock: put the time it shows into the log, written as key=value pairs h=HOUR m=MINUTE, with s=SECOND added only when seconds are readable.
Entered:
h=10 m=42
